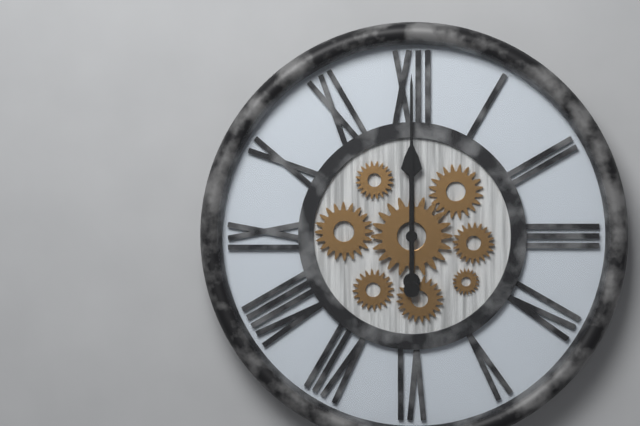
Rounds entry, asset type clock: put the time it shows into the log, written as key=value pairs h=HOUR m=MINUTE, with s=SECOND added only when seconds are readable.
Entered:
h=12 m=0
